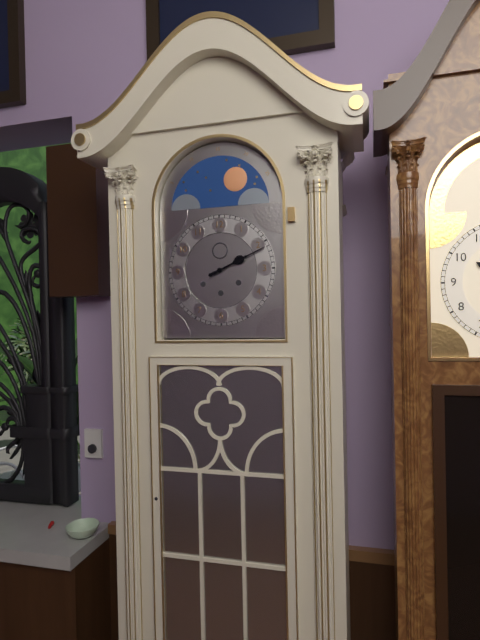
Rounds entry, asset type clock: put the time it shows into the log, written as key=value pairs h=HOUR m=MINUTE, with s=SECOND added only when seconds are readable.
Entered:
h=2 m=11
